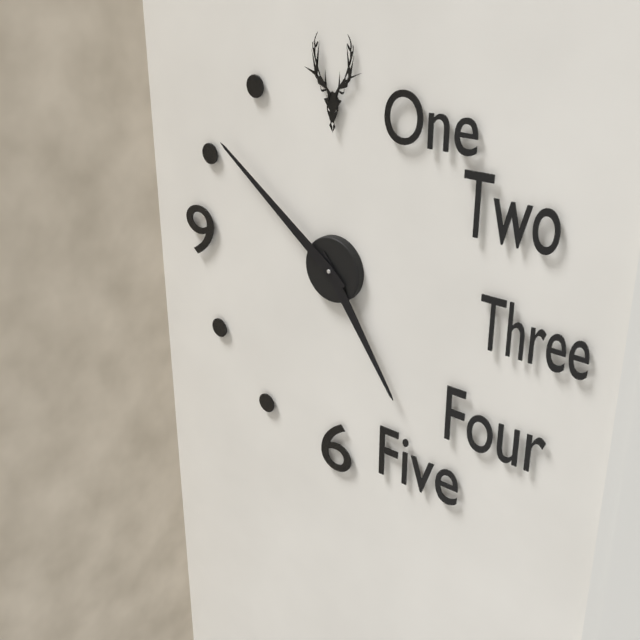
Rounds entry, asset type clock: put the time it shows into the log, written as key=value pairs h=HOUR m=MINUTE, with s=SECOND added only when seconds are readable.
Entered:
h=4 m=51
